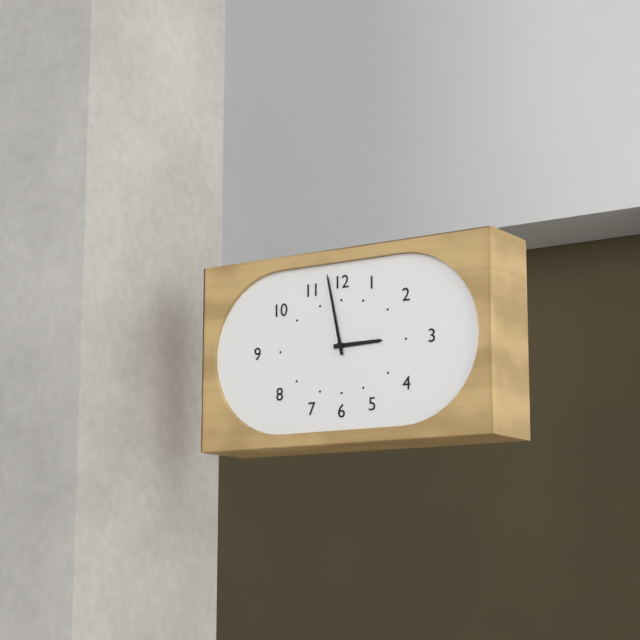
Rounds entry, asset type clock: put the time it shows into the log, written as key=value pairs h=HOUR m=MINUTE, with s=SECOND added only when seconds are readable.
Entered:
h=2 m=58
